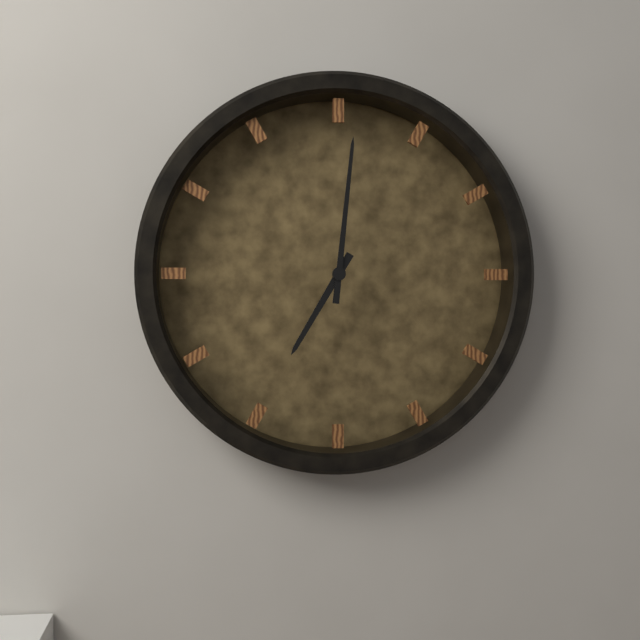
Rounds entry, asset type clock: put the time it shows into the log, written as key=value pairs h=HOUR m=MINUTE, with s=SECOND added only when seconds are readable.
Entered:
h=7 m=1
